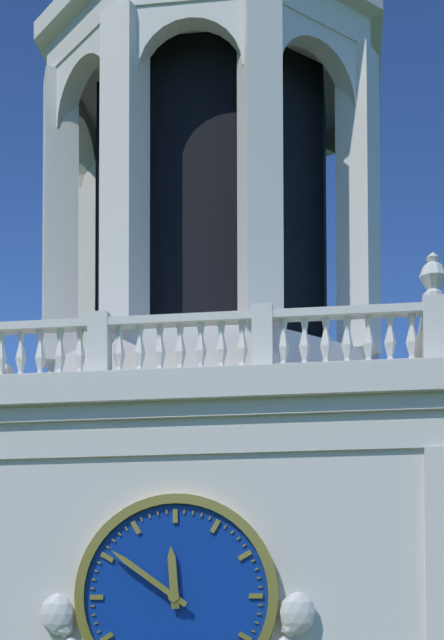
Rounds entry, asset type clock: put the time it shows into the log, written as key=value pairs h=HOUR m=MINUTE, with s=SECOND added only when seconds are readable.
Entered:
h=11 m=51
